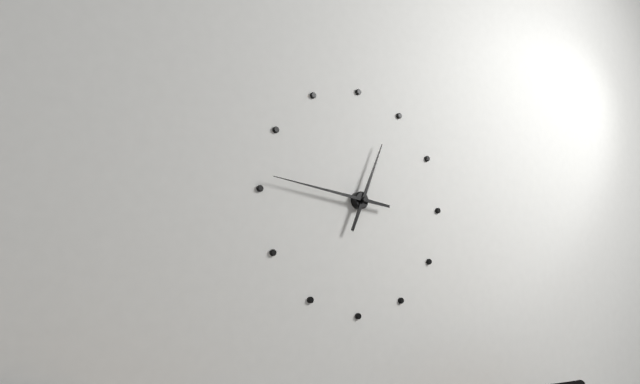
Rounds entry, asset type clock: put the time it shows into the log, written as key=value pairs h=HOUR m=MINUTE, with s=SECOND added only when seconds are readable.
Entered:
h=12 m=46
